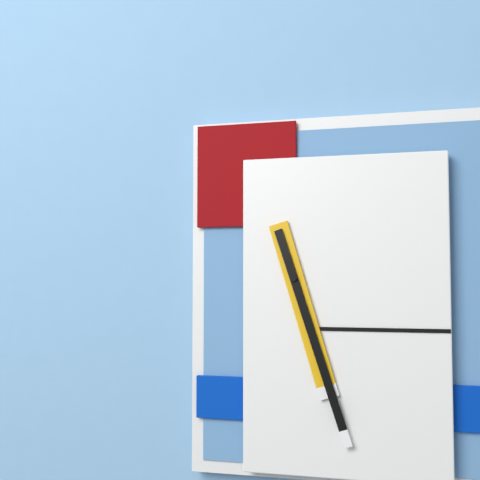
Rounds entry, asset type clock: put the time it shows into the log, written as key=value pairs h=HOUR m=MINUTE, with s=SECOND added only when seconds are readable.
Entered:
h=5 m=27
